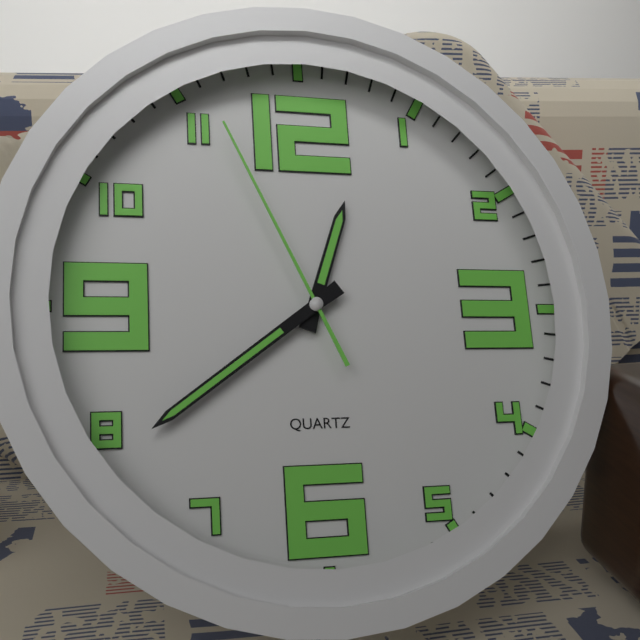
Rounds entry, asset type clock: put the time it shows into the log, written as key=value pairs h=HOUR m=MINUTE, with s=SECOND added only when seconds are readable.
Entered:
h=12 m=39 s=56
